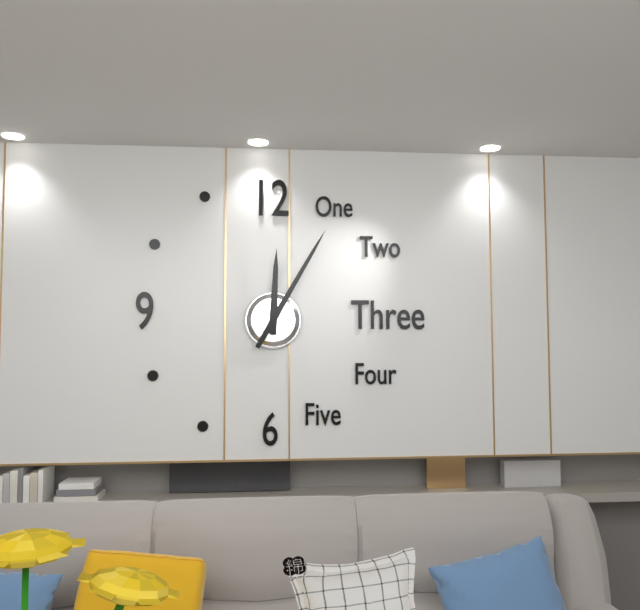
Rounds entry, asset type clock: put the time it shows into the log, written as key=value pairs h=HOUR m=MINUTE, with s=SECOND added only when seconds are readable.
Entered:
h=12 m=5
